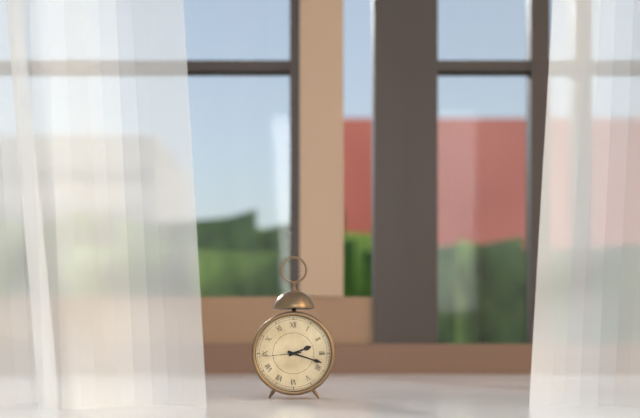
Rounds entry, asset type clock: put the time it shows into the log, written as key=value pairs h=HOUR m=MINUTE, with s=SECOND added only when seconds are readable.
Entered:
h=2 m=18
